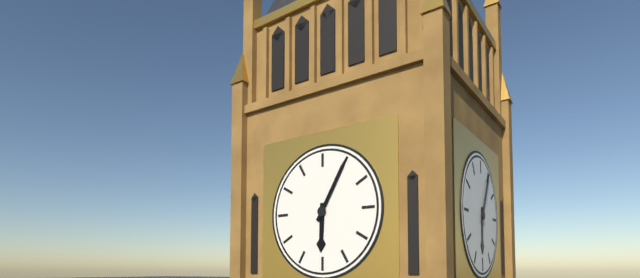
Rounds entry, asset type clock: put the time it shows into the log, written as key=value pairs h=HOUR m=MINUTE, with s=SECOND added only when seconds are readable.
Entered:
h=6 m=5
